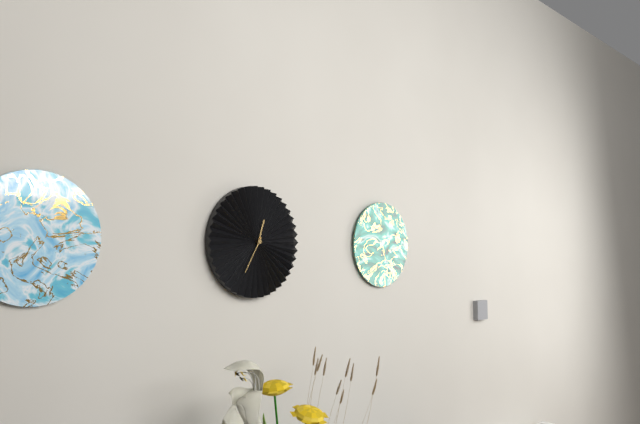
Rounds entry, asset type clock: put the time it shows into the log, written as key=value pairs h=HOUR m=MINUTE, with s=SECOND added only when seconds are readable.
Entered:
h=12 m=35
